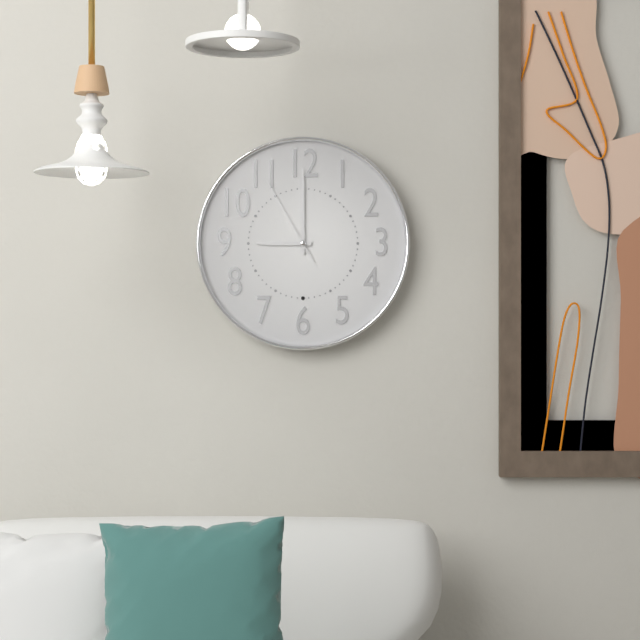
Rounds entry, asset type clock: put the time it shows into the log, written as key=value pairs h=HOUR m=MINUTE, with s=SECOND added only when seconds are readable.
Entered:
h=9 m=0 s=55
